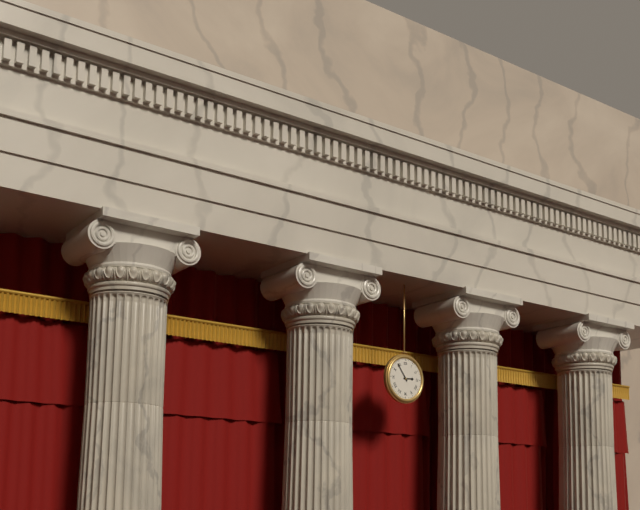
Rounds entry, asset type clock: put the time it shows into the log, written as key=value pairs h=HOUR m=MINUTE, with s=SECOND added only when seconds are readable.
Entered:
h=2 m=54
